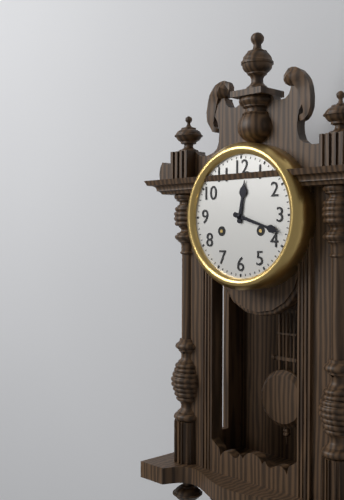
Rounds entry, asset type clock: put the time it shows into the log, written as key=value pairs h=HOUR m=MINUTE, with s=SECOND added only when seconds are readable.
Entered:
h=12 m=18
